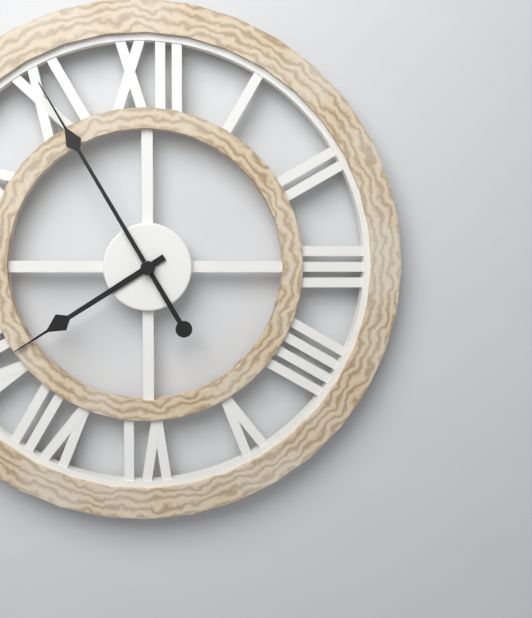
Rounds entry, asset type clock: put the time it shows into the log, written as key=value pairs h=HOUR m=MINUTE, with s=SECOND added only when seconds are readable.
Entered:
h=7 m=55
